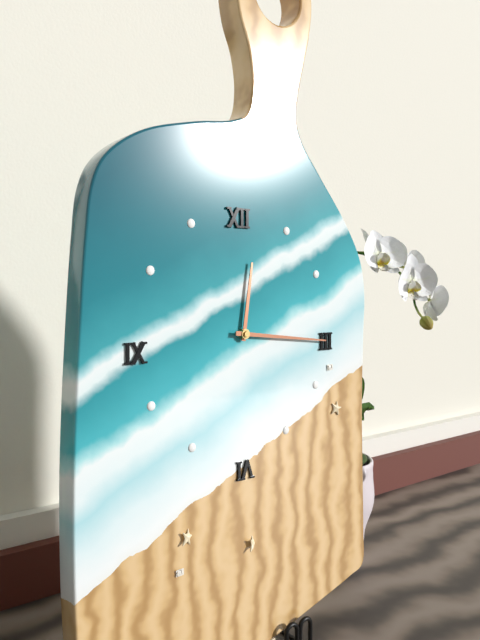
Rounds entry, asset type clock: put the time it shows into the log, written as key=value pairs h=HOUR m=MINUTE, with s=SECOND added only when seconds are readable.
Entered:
h=12 m=16
